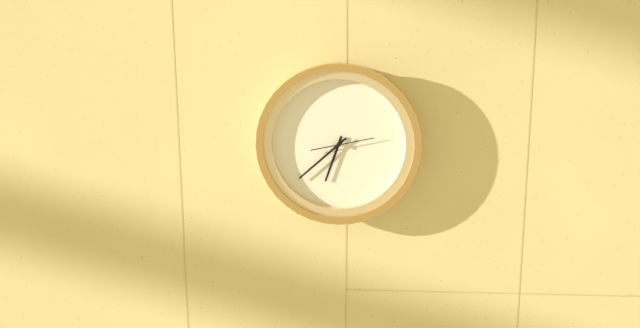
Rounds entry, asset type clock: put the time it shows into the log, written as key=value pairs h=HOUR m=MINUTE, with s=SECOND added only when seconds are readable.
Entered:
h=6 m=38
